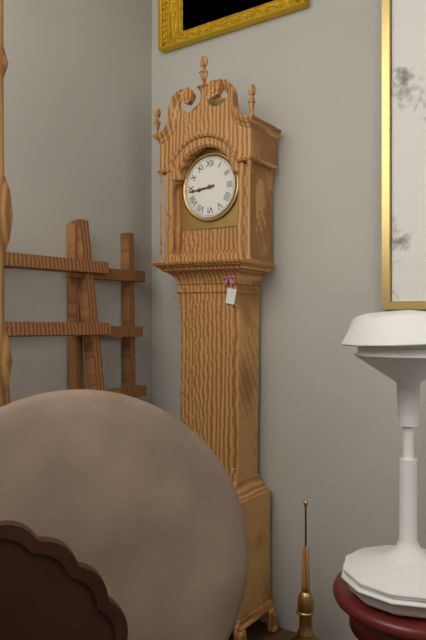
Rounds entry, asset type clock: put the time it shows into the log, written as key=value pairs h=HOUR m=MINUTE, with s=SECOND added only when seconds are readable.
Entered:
h=8 m=44
